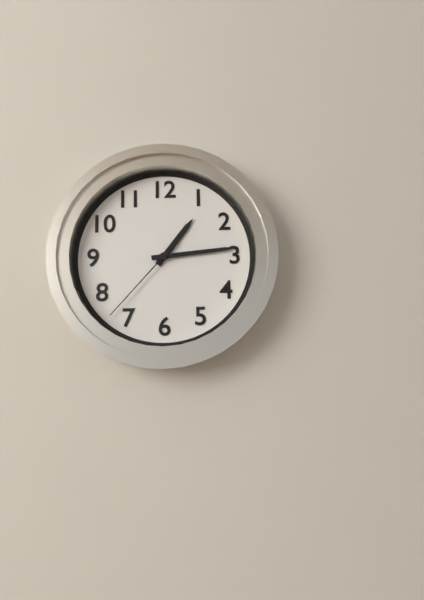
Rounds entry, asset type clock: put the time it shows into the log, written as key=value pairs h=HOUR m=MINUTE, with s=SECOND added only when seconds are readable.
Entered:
h=1 m=14 s=37
